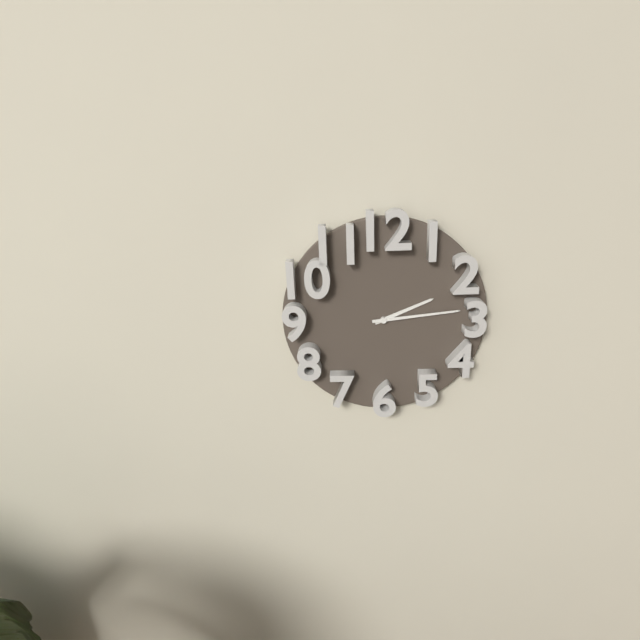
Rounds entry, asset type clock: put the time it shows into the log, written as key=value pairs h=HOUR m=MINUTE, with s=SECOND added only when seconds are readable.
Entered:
h=2 m=14
